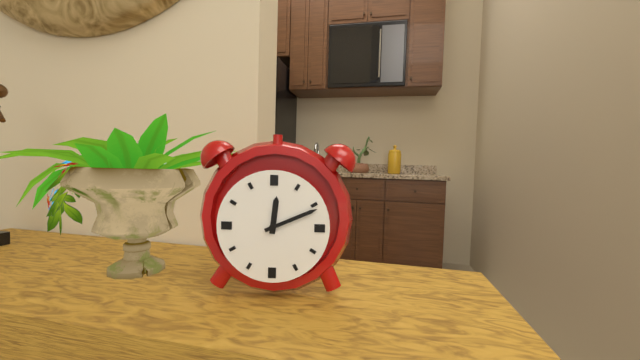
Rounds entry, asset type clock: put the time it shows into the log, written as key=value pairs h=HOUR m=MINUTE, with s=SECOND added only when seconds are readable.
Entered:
h=12 m=11
